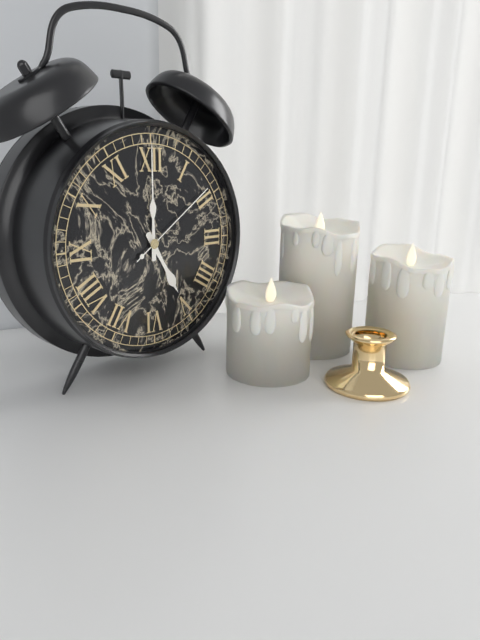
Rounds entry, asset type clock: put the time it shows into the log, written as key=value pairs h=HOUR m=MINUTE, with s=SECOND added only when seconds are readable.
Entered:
h=5 m=0 s=9
